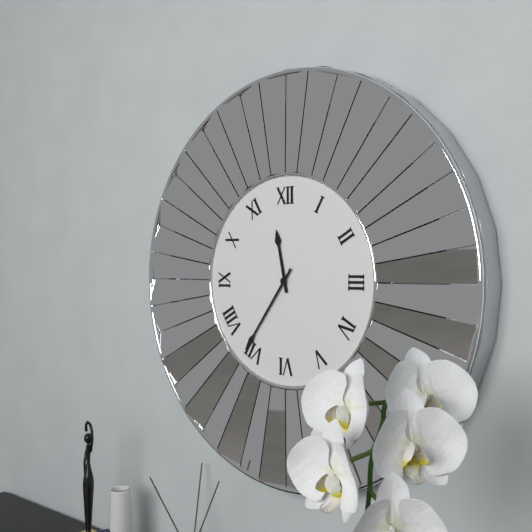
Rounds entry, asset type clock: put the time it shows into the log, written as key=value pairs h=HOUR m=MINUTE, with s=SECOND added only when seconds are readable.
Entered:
h=11 m=36
